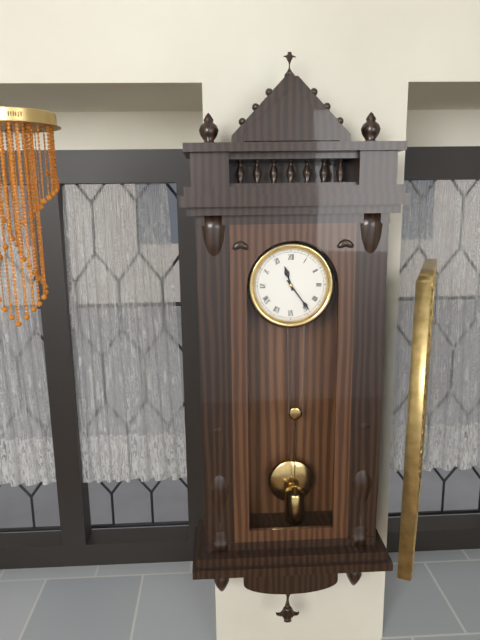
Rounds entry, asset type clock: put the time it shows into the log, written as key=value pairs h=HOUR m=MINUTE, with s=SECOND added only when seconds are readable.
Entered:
h=11 m=24
